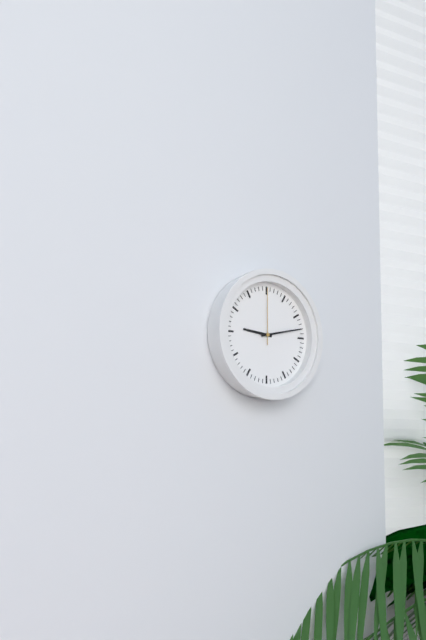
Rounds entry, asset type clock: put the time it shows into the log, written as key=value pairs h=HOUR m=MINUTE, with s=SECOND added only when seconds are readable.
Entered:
h=9 m=13 s=0
